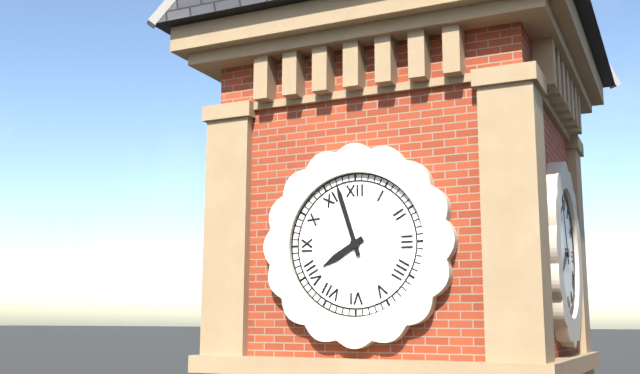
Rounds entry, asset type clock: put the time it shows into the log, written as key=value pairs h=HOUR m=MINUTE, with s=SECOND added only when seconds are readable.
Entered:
h=7 m=57
